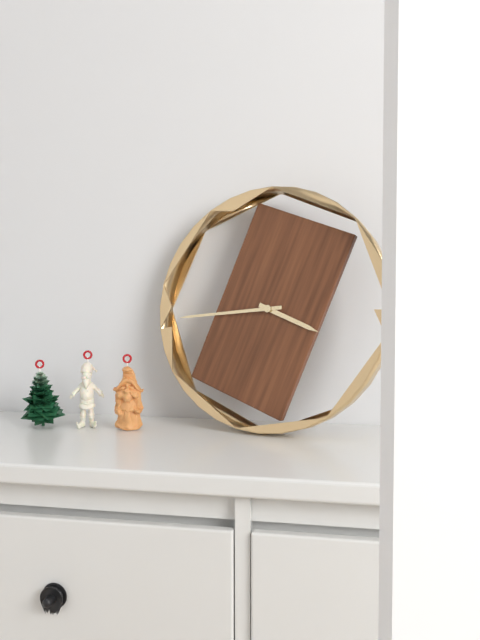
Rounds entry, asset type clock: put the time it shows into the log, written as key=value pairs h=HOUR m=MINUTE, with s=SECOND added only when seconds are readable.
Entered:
h=3 m=44
